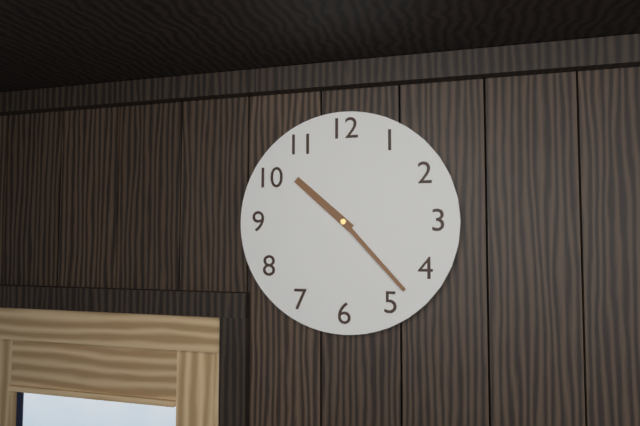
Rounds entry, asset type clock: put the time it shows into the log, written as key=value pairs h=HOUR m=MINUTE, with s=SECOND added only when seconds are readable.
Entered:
h=10 m=23
